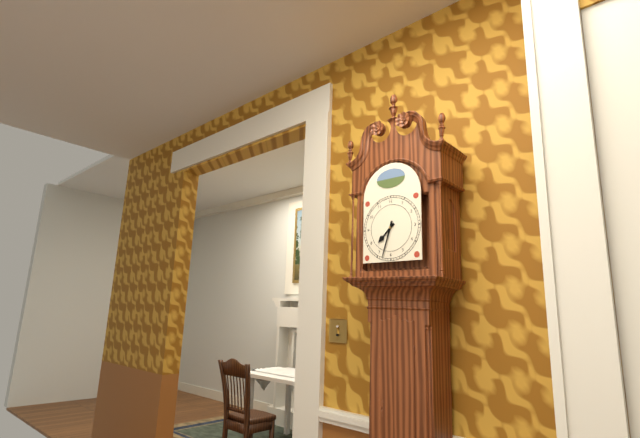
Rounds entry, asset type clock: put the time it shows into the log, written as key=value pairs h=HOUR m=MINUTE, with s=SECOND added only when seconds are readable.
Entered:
h=7 m=33
